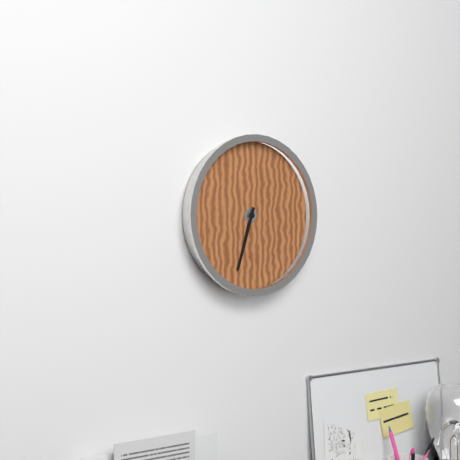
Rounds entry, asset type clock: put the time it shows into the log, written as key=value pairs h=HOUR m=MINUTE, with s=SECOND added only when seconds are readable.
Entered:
h=6 m=33
